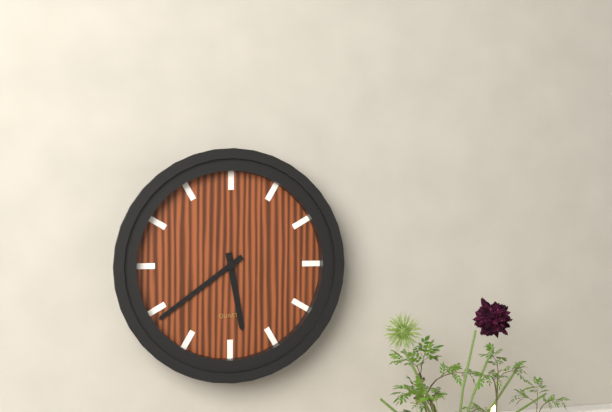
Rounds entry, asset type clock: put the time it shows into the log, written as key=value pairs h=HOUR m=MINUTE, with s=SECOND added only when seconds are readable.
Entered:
h=5 m=39
